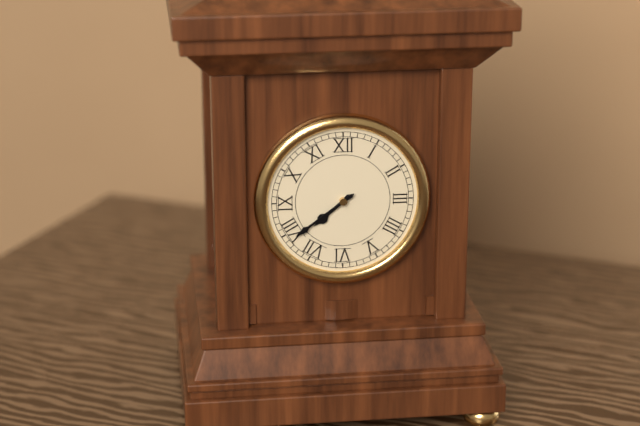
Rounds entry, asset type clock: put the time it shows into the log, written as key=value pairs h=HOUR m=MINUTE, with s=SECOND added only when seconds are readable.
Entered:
h=7 m=39
